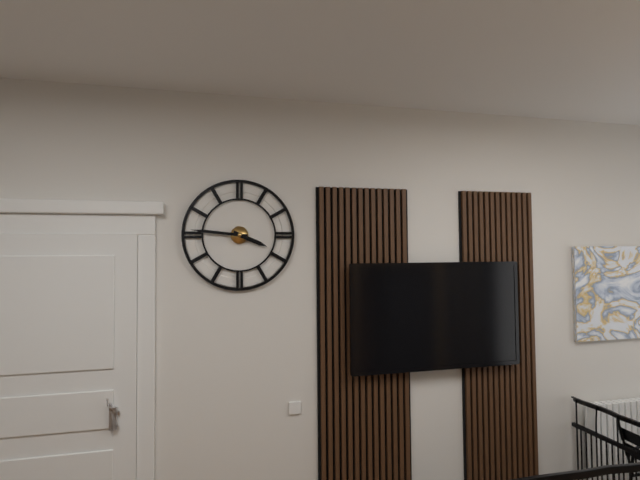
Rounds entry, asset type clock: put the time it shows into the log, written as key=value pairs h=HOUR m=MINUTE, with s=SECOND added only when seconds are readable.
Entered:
h=3 m=46
